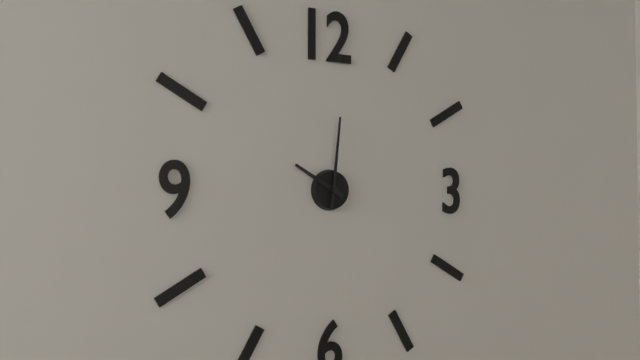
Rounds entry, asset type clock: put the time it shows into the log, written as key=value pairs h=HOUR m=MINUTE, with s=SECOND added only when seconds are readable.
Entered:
h=10 m=1
